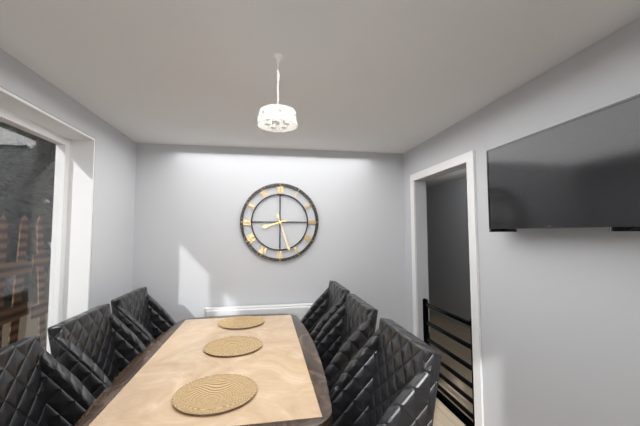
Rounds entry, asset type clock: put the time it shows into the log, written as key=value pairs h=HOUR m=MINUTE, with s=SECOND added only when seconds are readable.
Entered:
h=8 m=27
